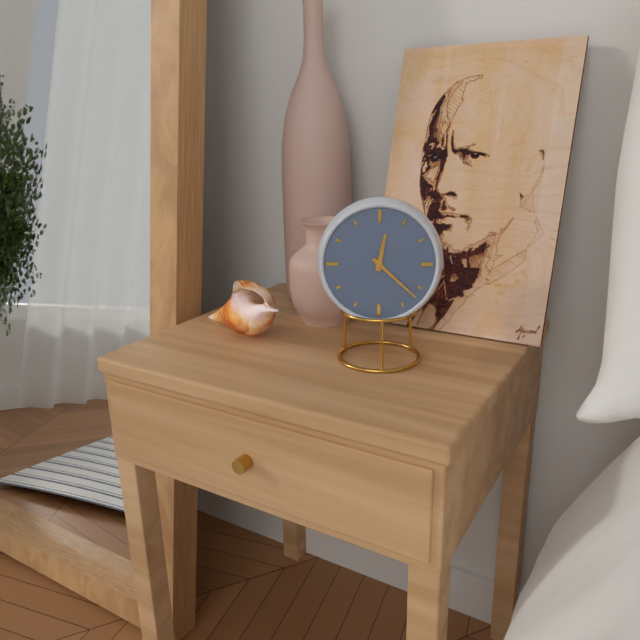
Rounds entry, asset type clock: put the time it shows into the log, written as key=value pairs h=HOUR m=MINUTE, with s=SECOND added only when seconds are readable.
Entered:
h=12 m=22
